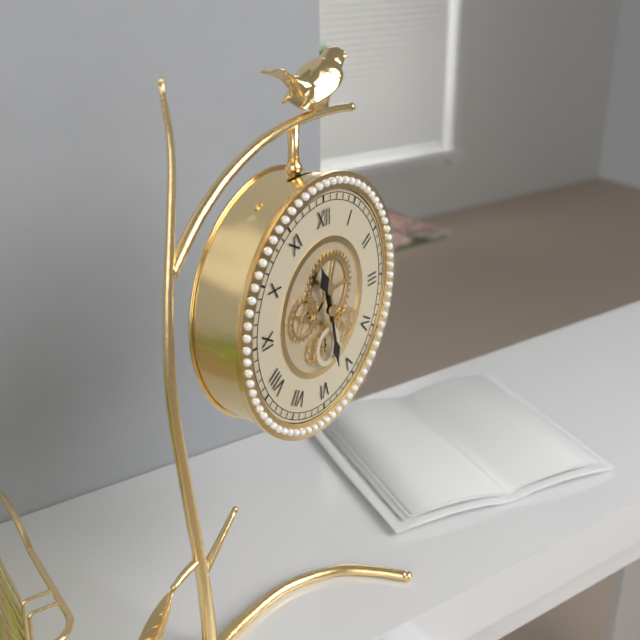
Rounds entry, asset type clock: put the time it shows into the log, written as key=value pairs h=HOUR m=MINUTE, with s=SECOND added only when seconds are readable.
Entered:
h=11 m=28
